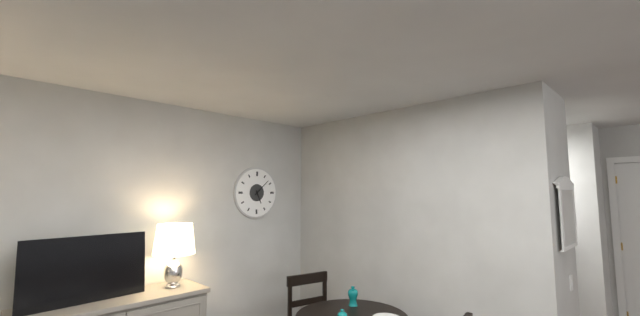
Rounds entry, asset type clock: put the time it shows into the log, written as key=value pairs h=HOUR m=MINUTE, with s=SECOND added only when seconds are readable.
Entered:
h=5 m=8
